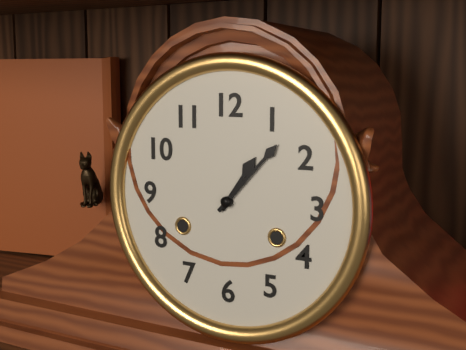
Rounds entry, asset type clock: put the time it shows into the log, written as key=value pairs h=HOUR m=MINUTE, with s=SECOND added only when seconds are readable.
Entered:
h=1 m=7
